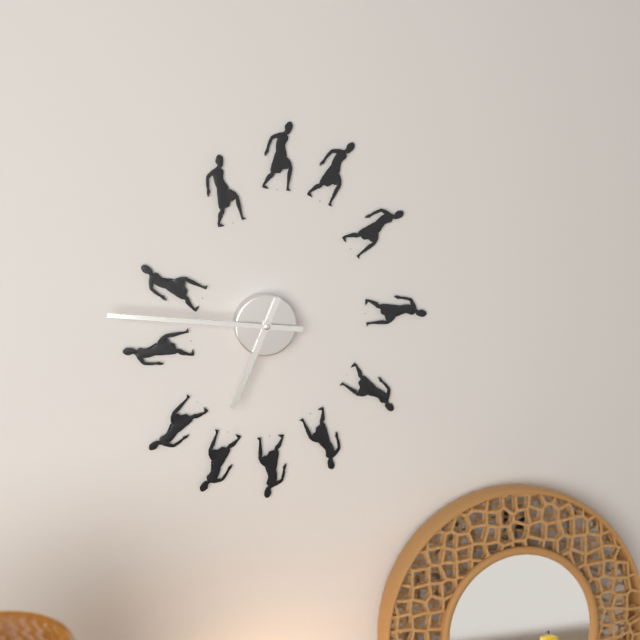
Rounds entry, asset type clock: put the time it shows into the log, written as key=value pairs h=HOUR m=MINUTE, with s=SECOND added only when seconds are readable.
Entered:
h=6 m=46
